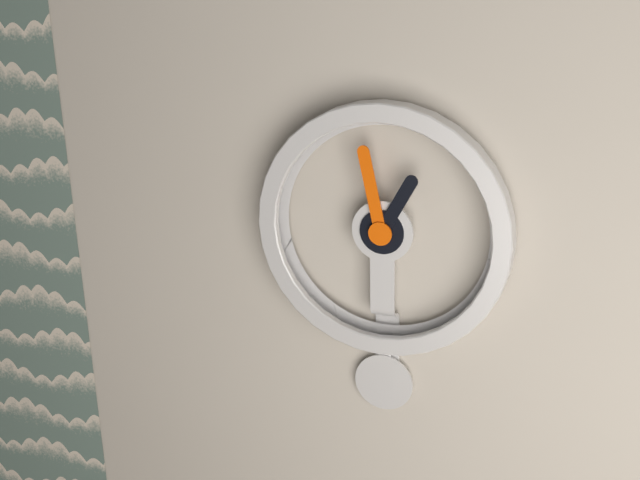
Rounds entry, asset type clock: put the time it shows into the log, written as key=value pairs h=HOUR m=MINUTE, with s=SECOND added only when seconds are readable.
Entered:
h=12 m=58
